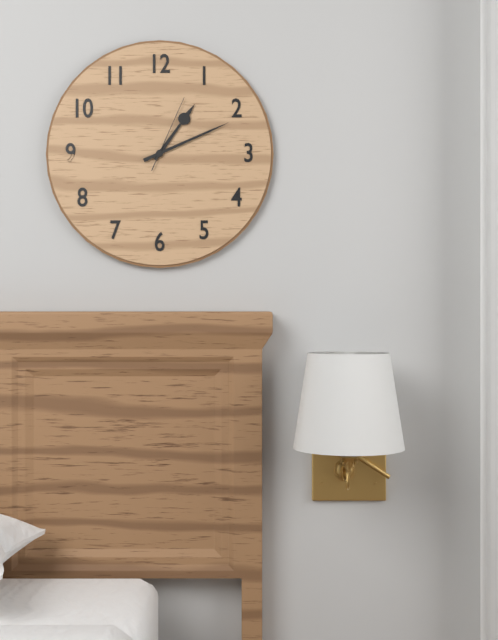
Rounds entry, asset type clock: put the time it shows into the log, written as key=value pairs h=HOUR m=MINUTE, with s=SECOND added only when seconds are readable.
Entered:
h=1 m=11 s=4
